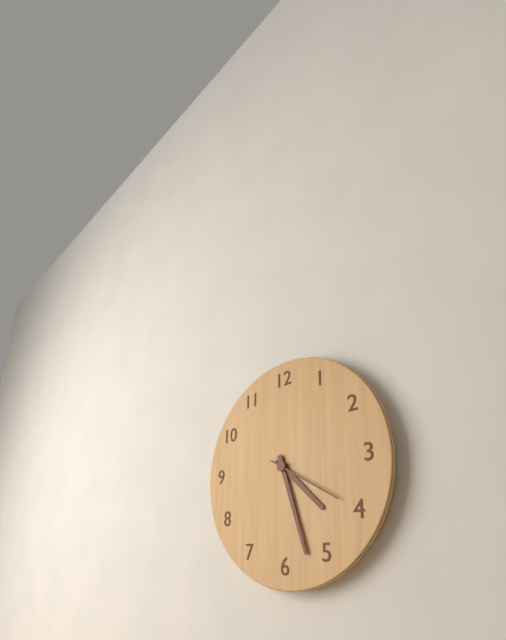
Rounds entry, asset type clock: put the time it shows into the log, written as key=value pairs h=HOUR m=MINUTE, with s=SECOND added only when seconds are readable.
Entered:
h=4 m=27 s=20
